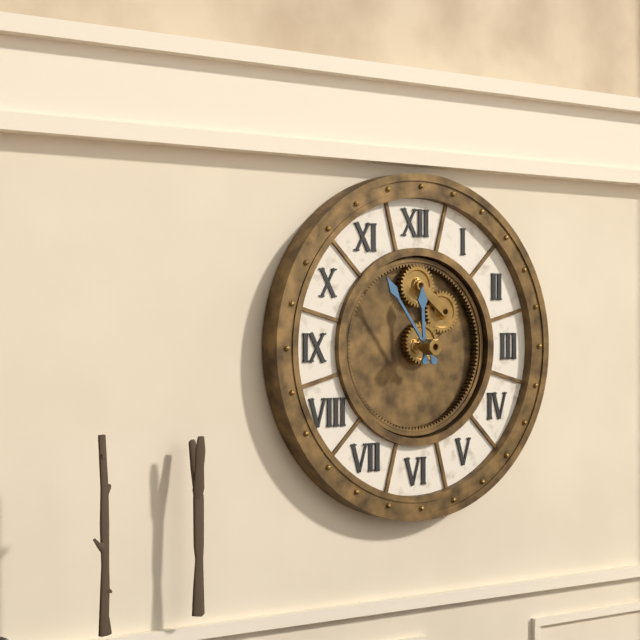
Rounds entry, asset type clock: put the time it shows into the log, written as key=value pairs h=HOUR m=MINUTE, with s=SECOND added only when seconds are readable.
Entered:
h=11 m=54
